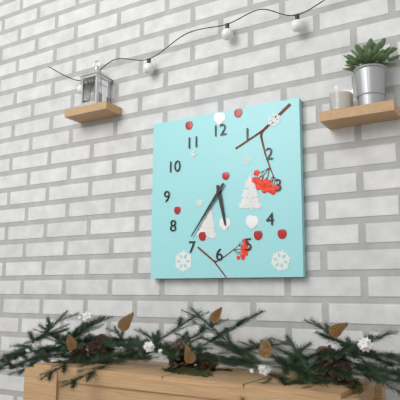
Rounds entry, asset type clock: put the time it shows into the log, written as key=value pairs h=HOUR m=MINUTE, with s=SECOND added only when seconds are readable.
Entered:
h=5 m=36
